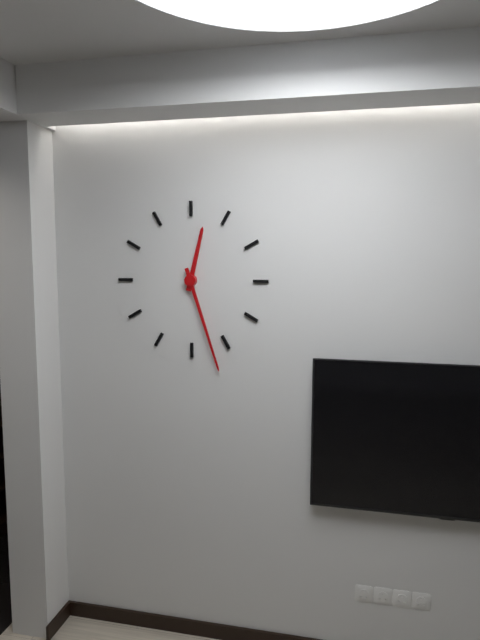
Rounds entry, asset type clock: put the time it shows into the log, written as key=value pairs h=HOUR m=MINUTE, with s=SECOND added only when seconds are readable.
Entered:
h=12 m=27
